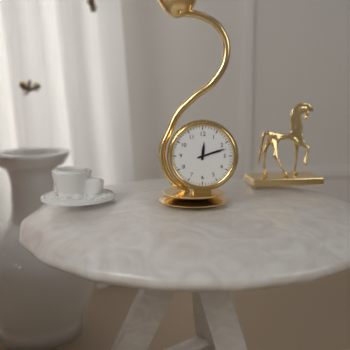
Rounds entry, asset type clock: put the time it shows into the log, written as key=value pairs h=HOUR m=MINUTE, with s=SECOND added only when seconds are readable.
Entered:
h=12 m=12
